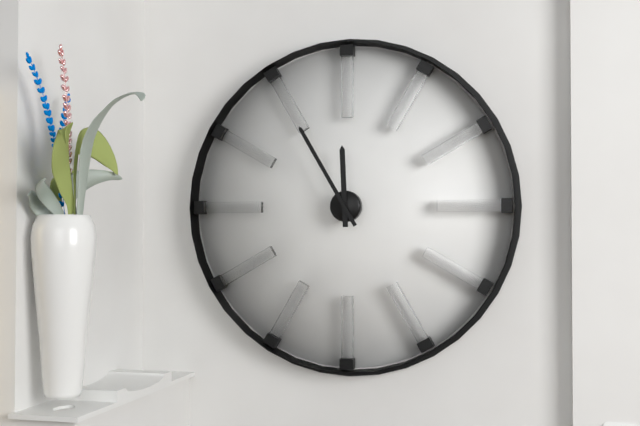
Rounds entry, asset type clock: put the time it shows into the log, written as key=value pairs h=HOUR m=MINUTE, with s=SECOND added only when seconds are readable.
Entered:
h=11 m=55
